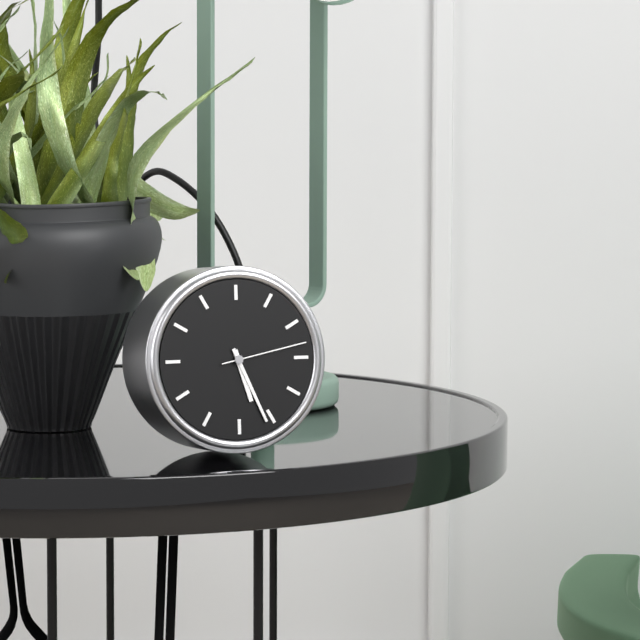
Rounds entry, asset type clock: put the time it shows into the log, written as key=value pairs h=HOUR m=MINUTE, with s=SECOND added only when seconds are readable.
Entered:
h=5 m=26 s=13
